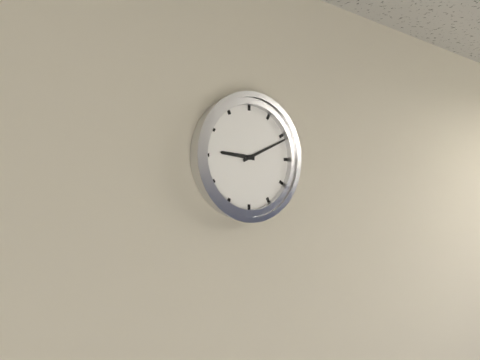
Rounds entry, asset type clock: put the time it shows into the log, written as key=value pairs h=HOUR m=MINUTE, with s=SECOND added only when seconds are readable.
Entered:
h=9 m=11
